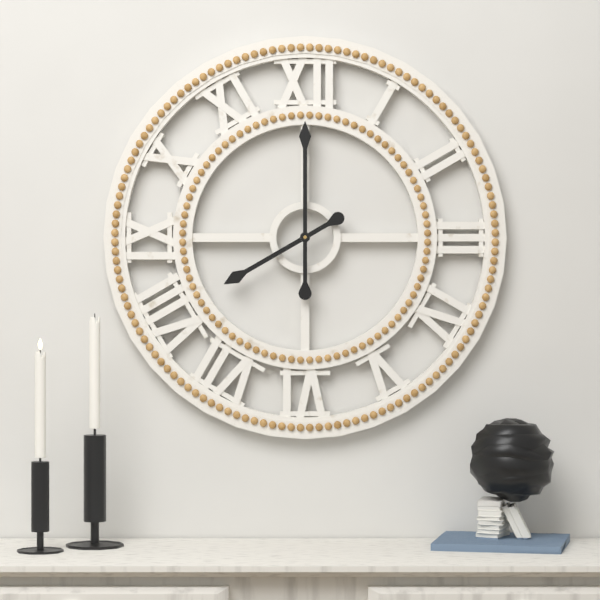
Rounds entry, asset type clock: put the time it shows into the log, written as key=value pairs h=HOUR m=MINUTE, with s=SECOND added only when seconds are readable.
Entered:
h=8 m=0
